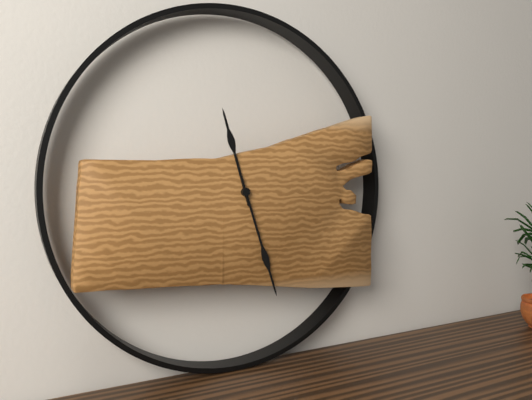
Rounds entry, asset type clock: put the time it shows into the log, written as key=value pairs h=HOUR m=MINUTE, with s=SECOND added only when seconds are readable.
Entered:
h=11 m=27
